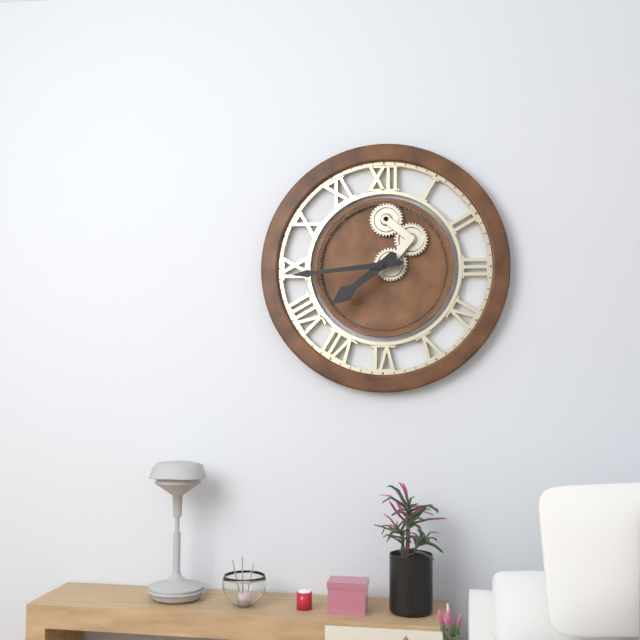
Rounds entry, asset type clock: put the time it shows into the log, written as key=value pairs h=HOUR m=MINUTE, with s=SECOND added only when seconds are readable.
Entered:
h=7 m=44
